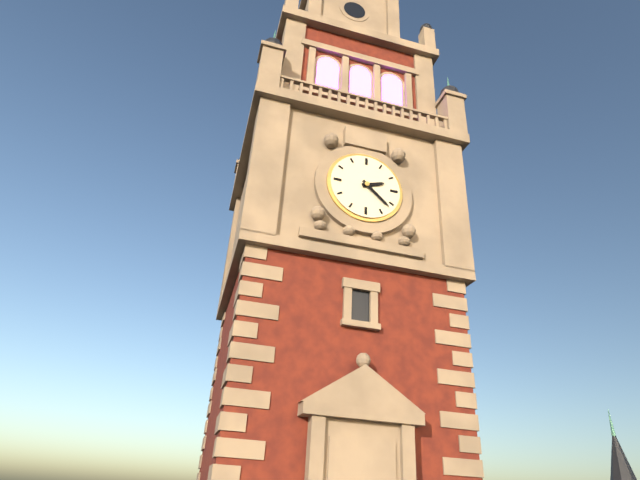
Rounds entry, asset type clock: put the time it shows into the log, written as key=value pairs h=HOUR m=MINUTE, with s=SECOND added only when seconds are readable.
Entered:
h=2 m=22
